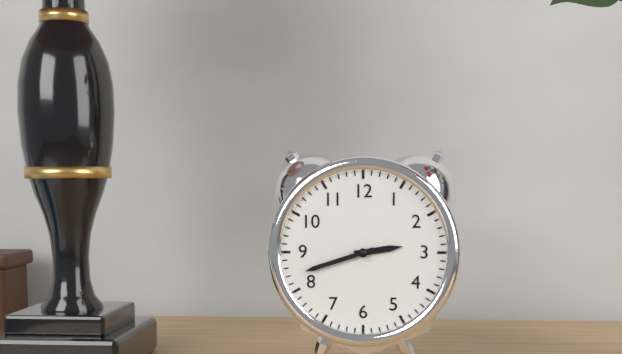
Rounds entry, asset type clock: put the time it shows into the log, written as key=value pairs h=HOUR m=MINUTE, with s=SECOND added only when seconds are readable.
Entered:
h=2 m=42
